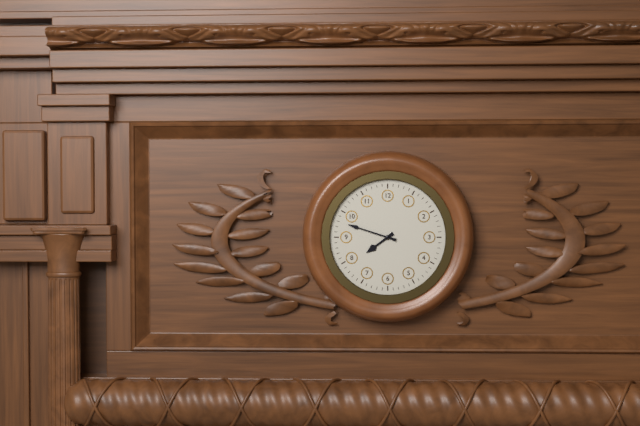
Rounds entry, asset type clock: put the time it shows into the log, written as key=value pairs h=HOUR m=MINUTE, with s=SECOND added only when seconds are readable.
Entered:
h=7 m=48
